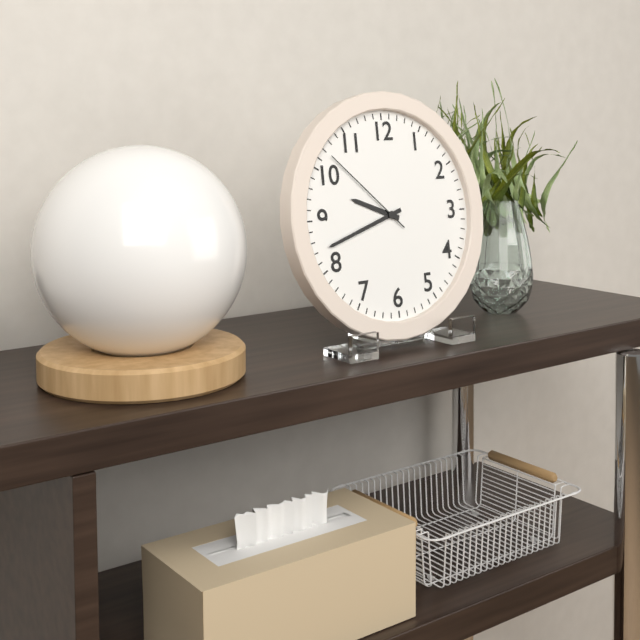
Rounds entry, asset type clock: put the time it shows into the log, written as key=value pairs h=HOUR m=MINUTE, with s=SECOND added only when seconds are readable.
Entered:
h=9 m=42 s=52
